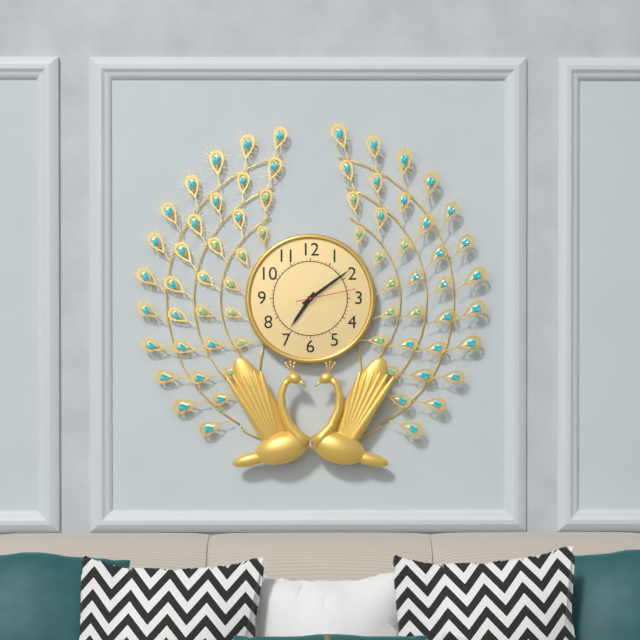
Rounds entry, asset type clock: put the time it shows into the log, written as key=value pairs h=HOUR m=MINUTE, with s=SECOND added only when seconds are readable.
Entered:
h=7 m=9 s=13
